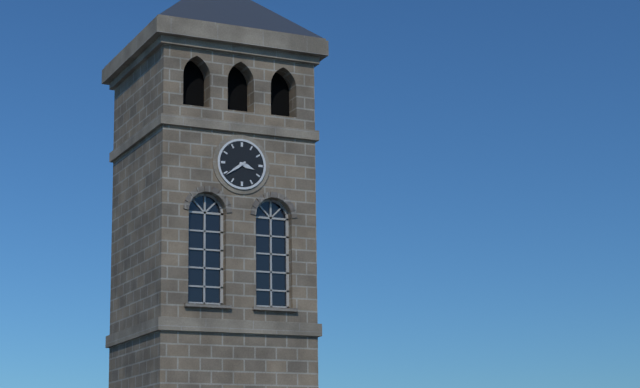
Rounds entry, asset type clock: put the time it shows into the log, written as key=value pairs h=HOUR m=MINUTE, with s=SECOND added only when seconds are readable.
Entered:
h=3 m=39
